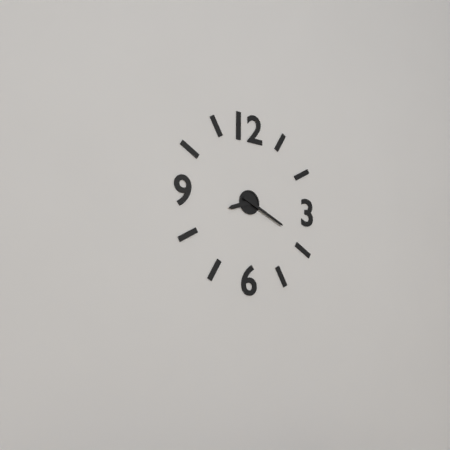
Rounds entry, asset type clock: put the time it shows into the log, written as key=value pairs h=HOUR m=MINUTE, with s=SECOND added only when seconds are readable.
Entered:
h=8 m=19
